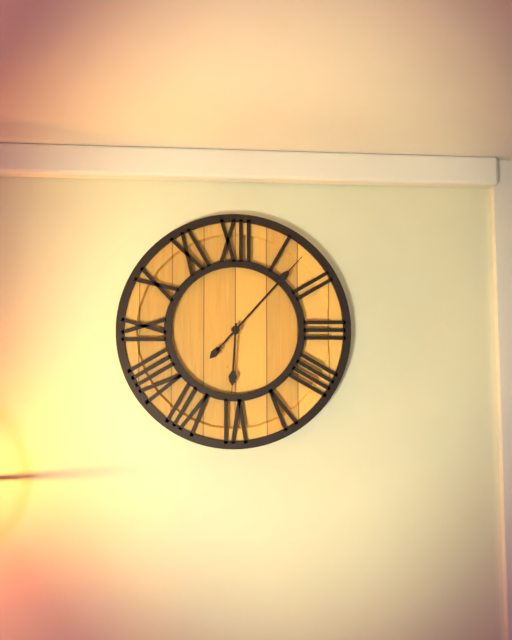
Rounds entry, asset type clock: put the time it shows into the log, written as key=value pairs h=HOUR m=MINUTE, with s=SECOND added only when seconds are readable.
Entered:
h=6 m=7
